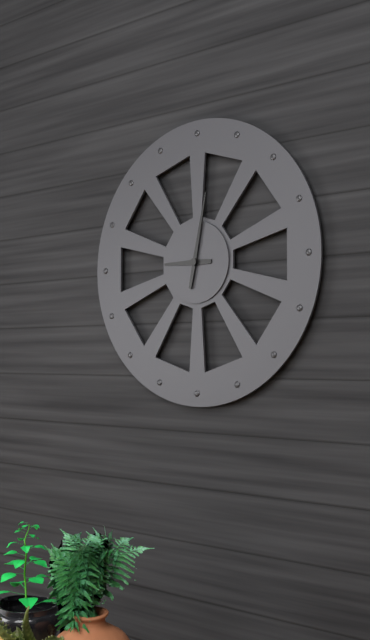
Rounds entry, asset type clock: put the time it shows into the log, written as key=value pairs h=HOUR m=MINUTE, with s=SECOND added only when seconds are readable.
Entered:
h=9 m=2
